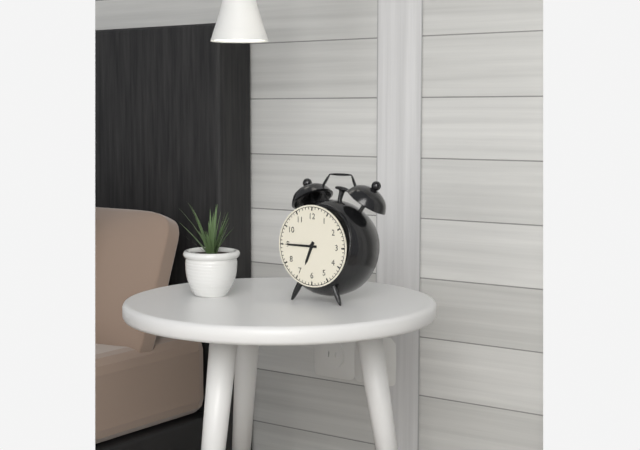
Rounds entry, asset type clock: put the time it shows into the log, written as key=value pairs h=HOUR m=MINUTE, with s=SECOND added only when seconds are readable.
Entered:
h=6 m=45
